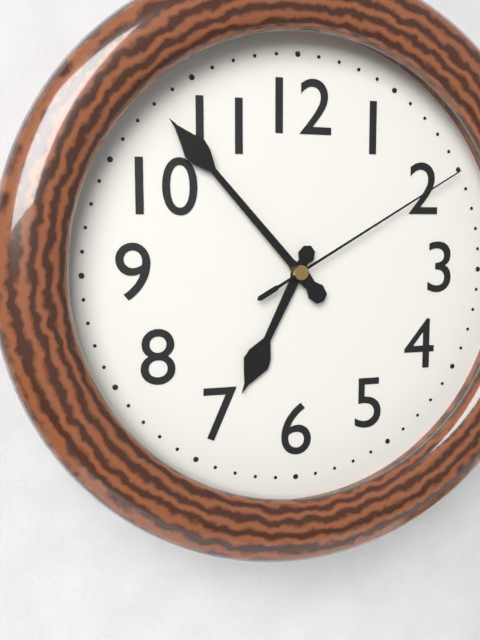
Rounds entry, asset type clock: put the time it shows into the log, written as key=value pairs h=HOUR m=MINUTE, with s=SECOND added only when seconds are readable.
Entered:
h=6 m=53 s=10
